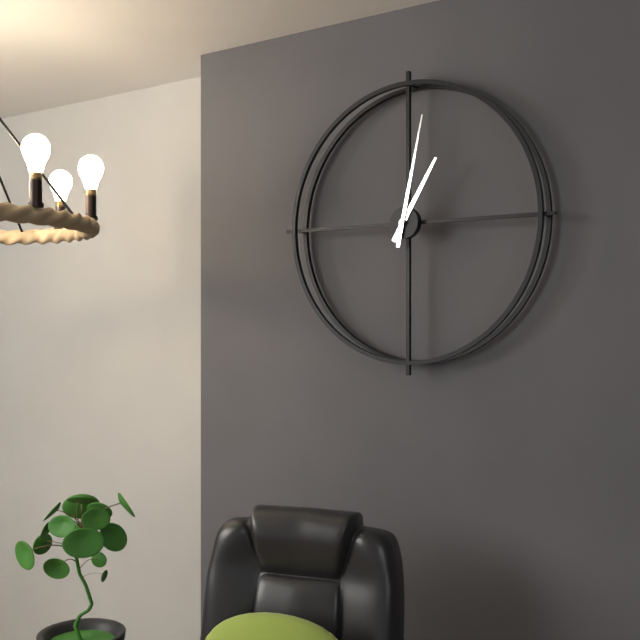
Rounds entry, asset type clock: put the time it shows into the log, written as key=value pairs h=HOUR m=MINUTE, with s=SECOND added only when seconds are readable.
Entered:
h=1 m=2
